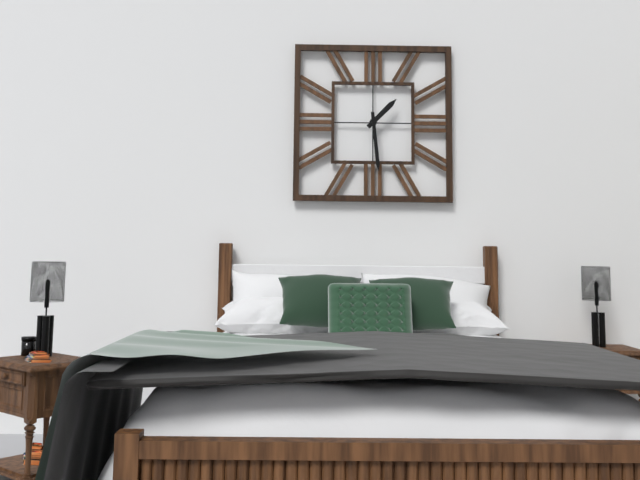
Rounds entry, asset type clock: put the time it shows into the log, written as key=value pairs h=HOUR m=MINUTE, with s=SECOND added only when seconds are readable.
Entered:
h=1 m=29
